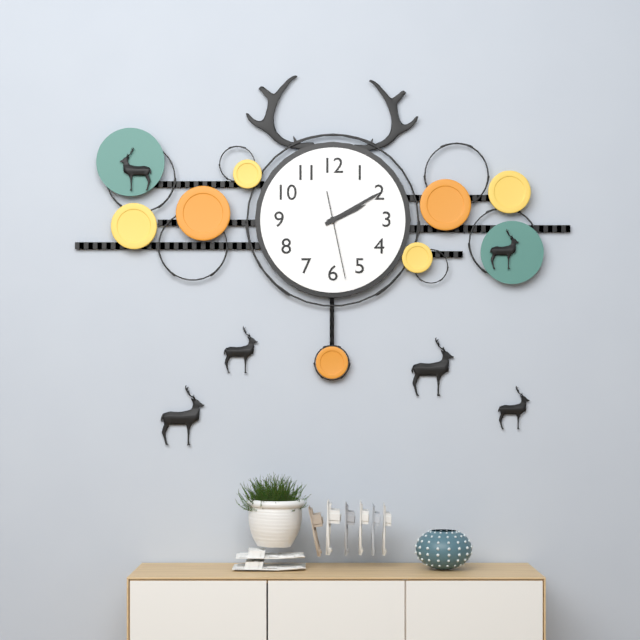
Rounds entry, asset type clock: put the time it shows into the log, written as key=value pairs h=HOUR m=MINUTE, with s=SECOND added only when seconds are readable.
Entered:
h=2 m=10 s=28
